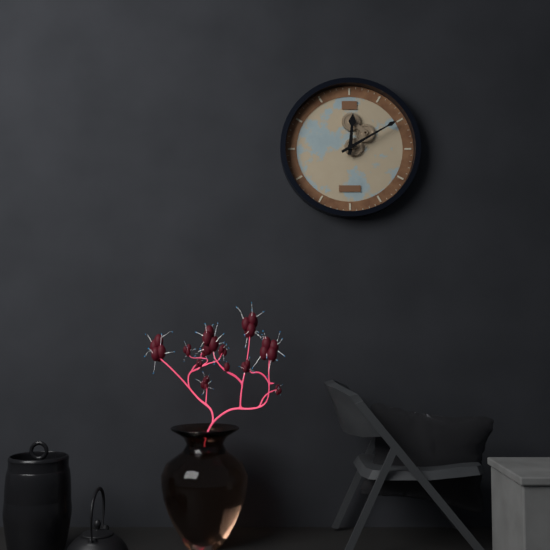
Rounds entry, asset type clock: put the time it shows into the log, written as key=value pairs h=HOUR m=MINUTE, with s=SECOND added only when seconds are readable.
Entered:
h=12 m=10
